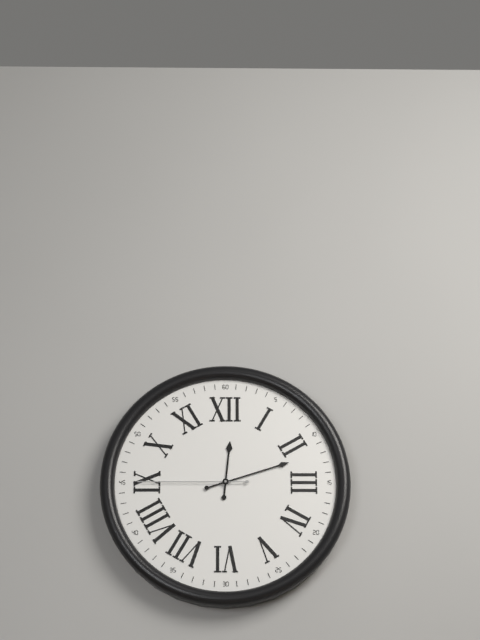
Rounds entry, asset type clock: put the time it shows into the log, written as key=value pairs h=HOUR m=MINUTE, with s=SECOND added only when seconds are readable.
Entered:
h=12 m=12 s=45
